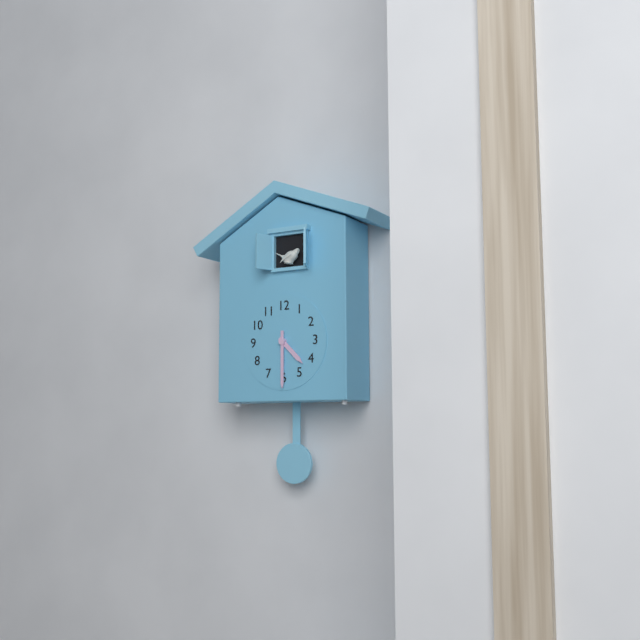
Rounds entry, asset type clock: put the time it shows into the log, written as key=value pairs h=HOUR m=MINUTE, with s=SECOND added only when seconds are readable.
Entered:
h=4 m=30
